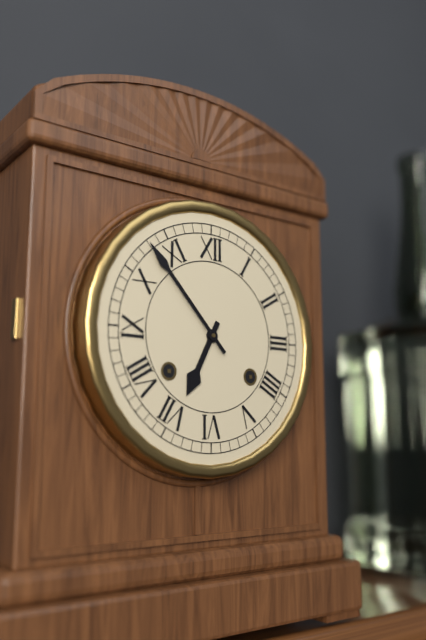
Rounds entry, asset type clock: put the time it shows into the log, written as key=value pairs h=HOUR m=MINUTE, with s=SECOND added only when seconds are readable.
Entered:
h=6 m=53
